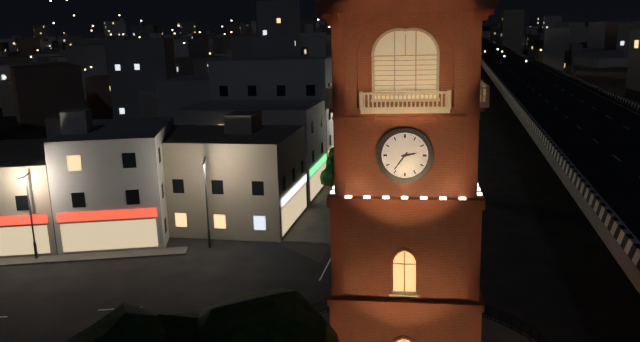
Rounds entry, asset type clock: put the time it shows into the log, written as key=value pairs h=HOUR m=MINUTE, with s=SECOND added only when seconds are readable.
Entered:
h=2 m=36
